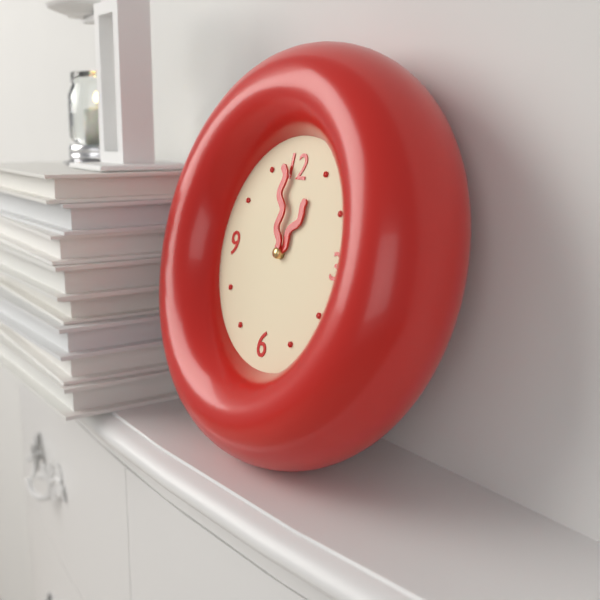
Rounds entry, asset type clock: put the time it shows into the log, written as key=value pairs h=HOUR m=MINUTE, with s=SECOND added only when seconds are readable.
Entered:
h=12 m=58
